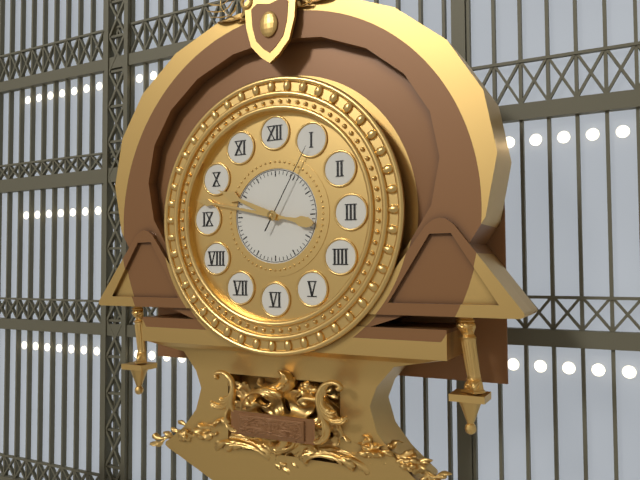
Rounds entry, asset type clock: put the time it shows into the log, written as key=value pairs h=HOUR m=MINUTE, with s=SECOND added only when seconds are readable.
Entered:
h=9 m=47 s=5
